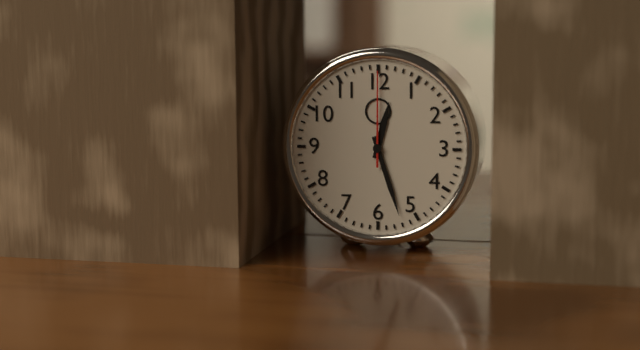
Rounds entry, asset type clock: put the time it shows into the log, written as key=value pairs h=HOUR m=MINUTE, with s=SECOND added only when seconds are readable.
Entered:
h=12 m=27 s=0
